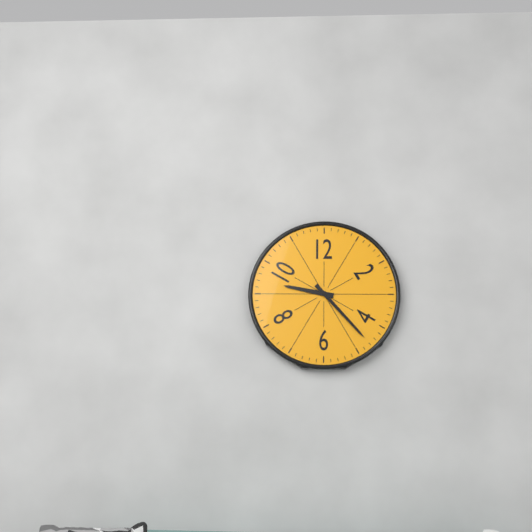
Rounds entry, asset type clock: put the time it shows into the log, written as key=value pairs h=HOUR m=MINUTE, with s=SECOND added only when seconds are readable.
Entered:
h=9 m=23
